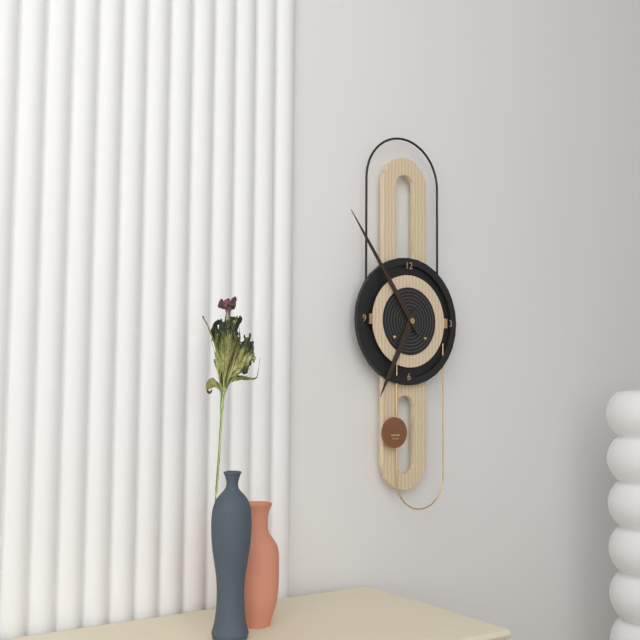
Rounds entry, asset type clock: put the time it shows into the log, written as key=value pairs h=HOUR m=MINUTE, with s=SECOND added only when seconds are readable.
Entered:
h=6 m=54
